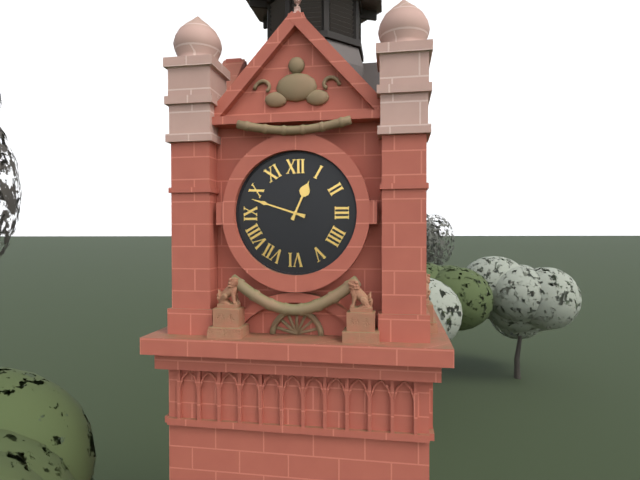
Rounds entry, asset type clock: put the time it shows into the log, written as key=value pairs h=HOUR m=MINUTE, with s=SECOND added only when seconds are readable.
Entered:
h=12 m=48
